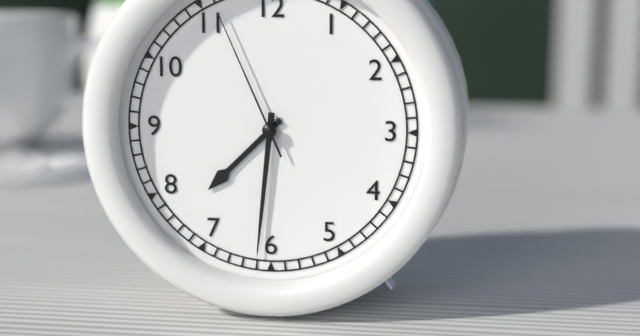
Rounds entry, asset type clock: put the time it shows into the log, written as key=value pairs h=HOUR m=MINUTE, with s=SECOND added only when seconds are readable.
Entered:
h=7 m=31 s=56
